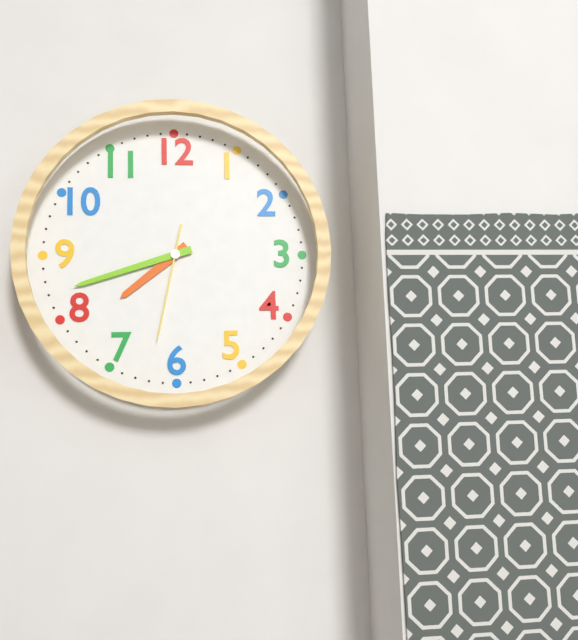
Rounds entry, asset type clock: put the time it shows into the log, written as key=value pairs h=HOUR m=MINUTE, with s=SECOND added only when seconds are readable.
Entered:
h=7 m=42 s=32
